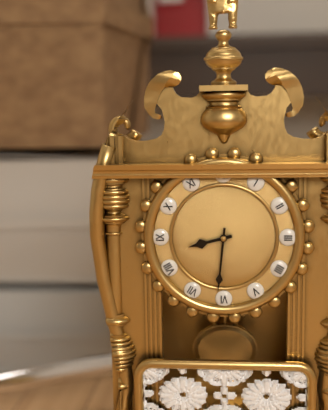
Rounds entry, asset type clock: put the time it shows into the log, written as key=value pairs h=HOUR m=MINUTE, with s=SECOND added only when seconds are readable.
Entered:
h=8 m=31
